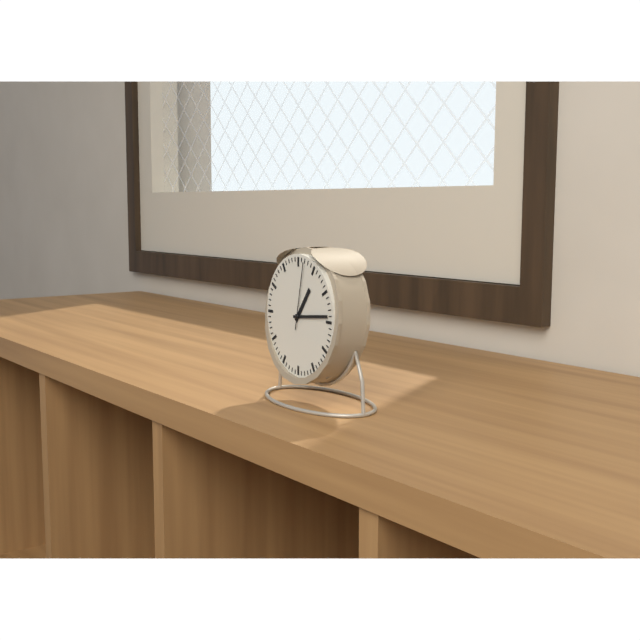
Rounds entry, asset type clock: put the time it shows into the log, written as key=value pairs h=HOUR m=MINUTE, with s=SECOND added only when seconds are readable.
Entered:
h=1 m=14 s=2
